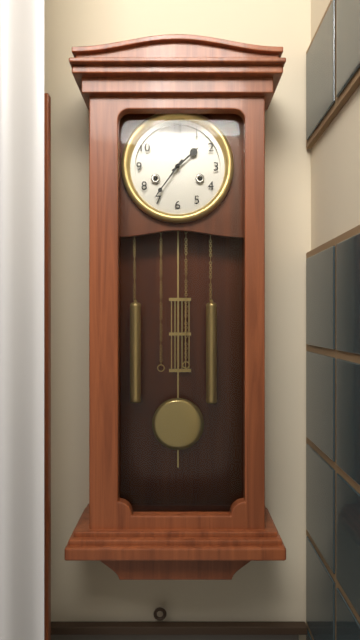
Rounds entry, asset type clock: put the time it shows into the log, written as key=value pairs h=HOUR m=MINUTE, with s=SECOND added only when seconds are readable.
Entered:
h=1 m=36
